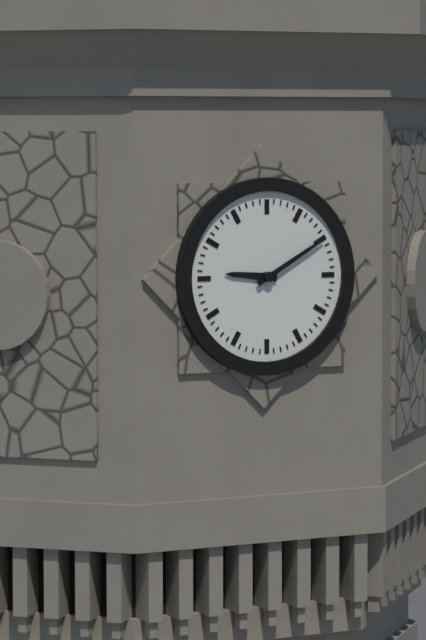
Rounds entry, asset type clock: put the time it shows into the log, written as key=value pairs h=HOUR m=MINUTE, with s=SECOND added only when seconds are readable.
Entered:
h=9 m=10
